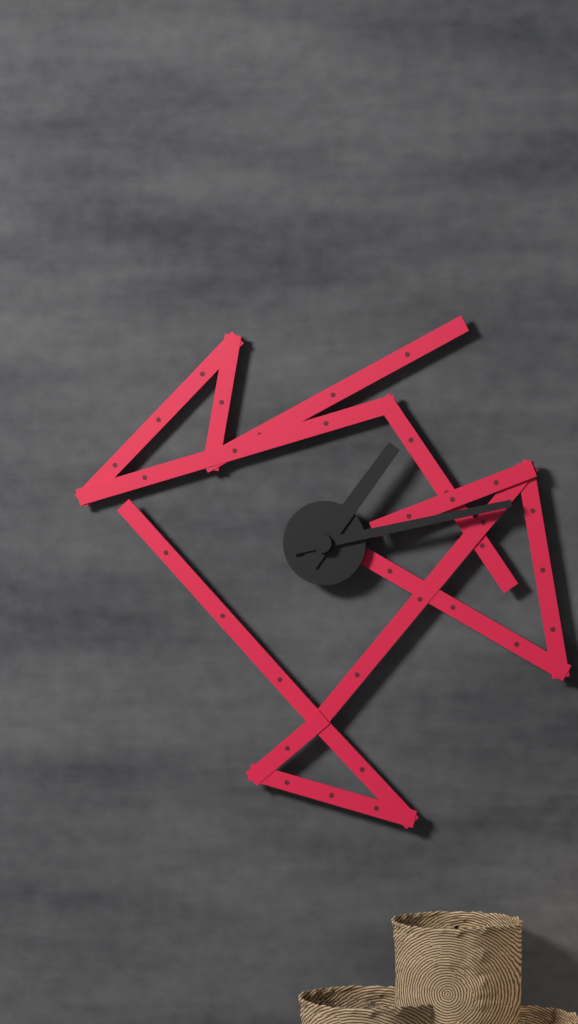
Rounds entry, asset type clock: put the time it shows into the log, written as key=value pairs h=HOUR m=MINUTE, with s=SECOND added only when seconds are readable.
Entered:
h=1 m=13
